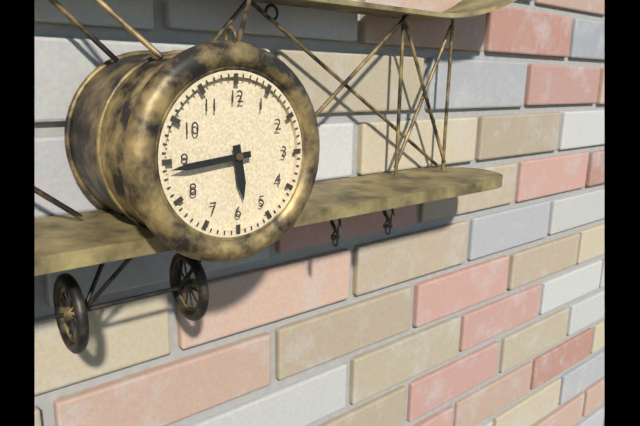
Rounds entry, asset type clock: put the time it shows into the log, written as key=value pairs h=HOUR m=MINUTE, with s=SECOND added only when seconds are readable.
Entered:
h=5 m=44
